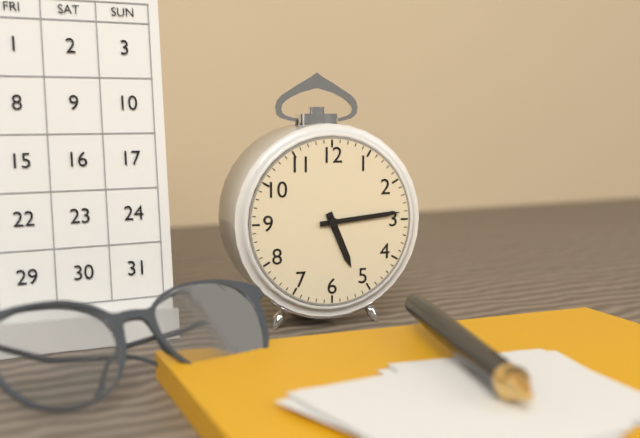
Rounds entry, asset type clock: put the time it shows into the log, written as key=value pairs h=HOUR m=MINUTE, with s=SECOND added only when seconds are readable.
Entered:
h=5 m=14
